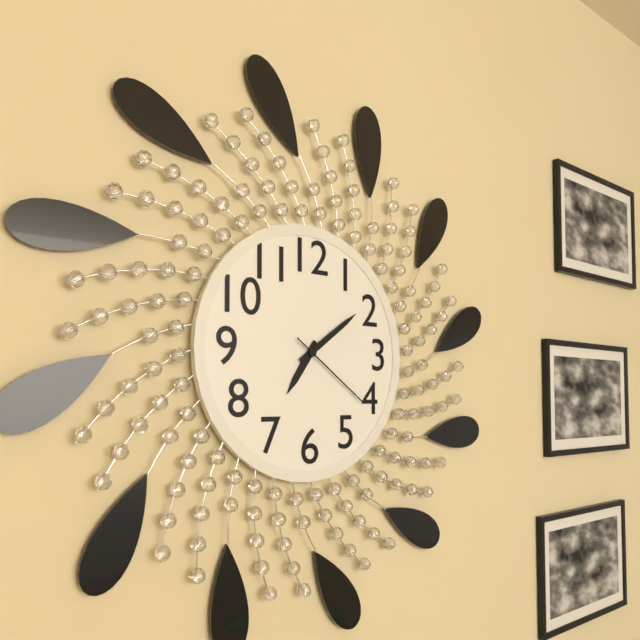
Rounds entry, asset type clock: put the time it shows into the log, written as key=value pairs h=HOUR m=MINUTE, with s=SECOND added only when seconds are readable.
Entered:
h=7 m=9 s=21
